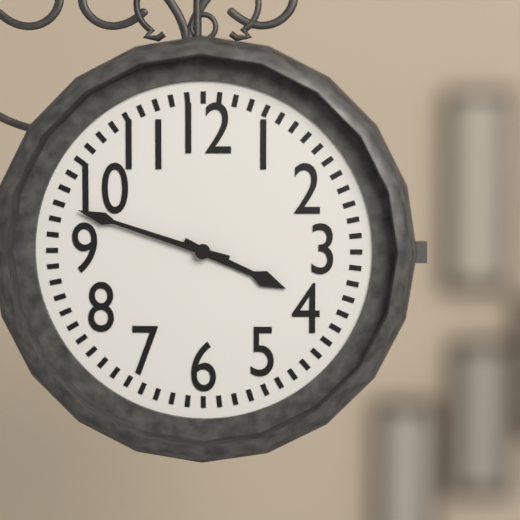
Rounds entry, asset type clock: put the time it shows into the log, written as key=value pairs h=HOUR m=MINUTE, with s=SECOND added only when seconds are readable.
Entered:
h=3 m=48
